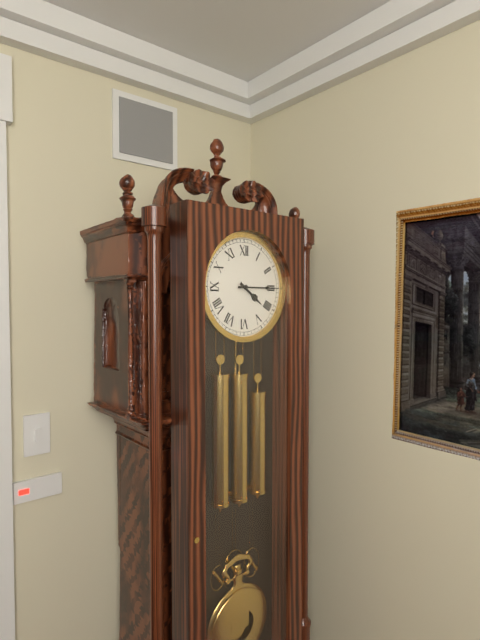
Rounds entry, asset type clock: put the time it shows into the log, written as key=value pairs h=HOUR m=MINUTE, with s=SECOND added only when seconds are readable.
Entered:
h=4 m=15
